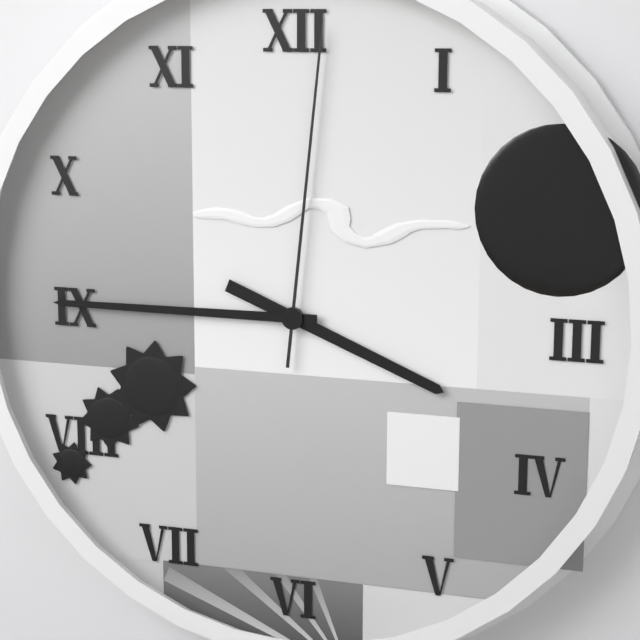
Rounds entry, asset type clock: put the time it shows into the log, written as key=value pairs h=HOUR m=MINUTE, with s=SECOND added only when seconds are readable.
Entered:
h=3 m=45 s=1
